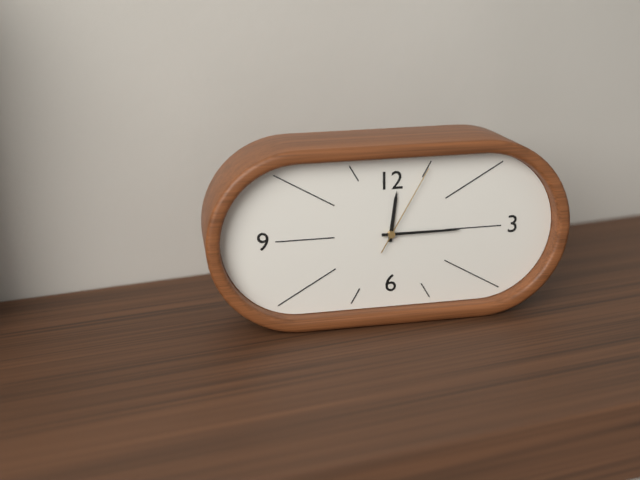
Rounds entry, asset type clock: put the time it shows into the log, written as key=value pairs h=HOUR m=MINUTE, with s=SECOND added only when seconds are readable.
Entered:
h=12 m=15 s=5
